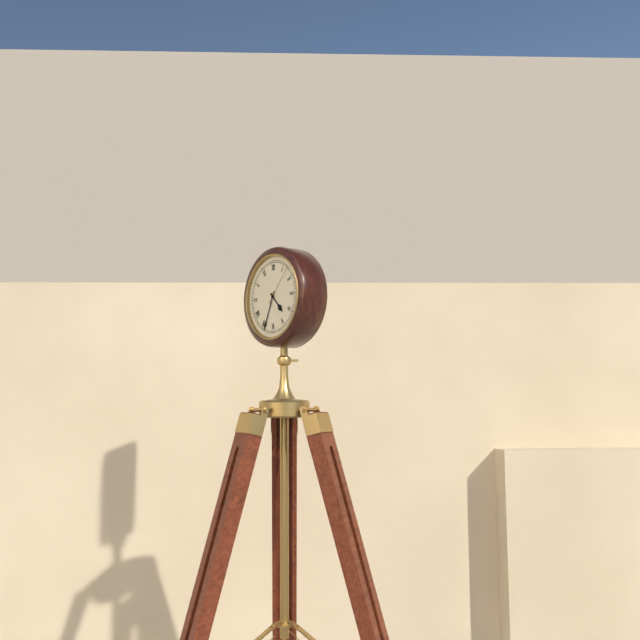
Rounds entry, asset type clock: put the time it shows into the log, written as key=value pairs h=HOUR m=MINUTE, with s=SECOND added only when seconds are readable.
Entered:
h=4 m=34
